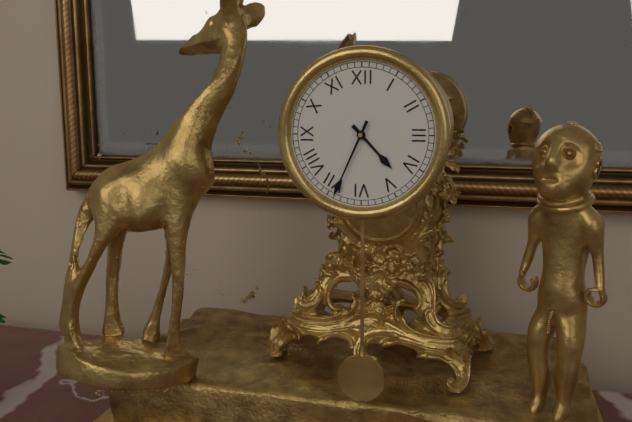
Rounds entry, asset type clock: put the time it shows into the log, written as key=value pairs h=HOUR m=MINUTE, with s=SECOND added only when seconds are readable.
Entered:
h=4 m=34
